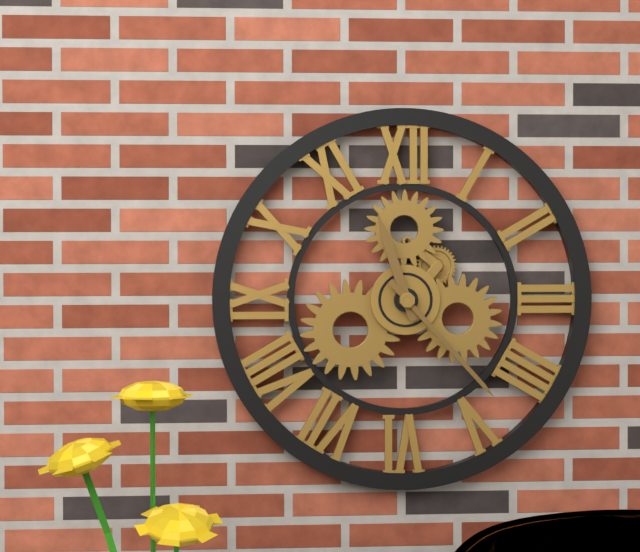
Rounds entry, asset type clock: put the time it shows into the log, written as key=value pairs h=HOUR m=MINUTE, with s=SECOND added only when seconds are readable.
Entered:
h=11 m=23
